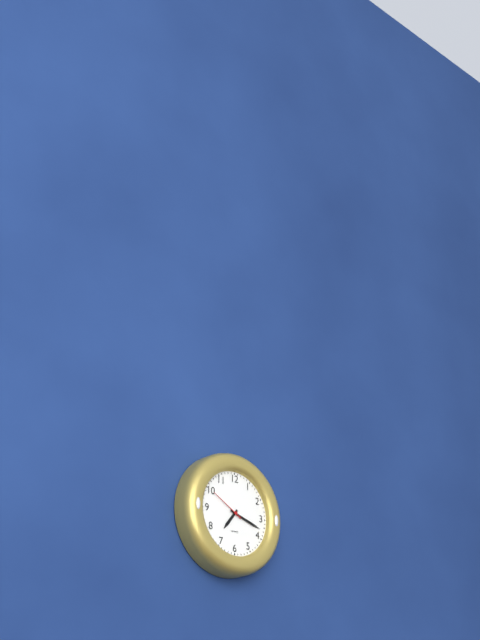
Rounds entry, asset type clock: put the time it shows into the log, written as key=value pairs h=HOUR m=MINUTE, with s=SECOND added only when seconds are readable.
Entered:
h=7 m=18
